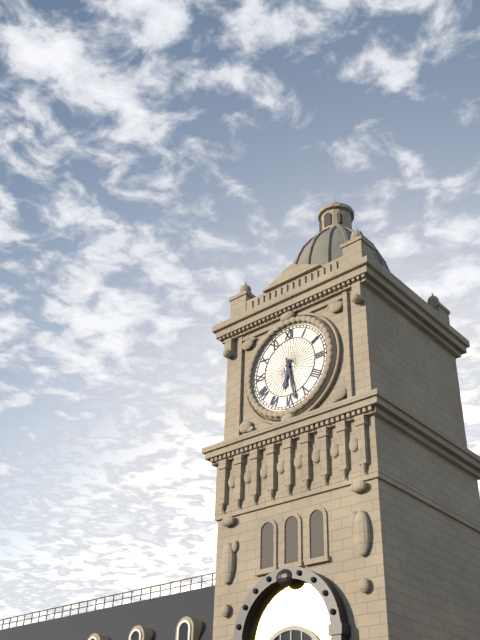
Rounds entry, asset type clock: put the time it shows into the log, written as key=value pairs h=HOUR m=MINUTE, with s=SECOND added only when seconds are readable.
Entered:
h=6 m=28
